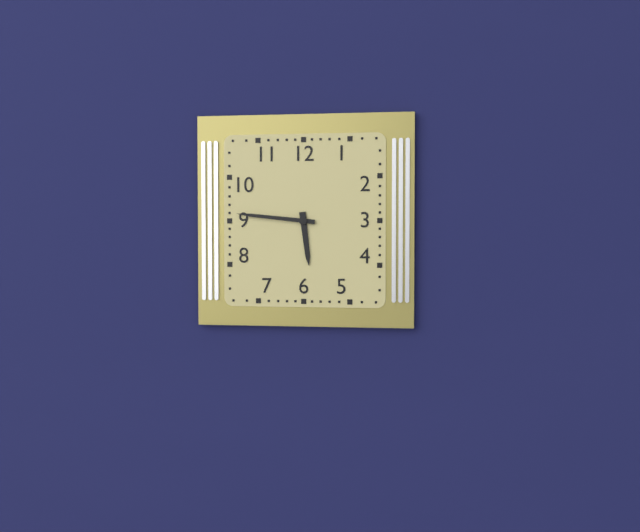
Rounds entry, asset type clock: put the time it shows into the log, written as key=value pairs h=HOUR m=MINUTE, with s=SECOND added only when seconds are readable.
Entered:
h=5 m=46
